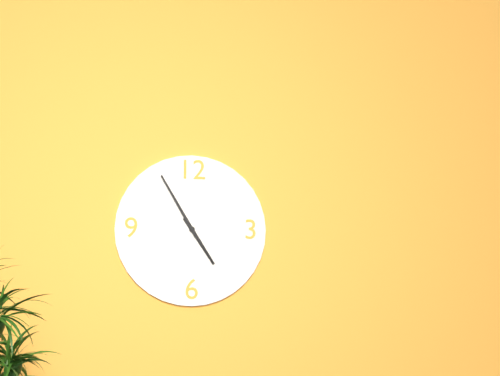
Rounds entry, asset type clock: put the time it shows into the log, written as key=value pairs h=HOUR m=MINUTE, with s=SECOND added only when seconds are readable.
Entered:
h=4 m=55
